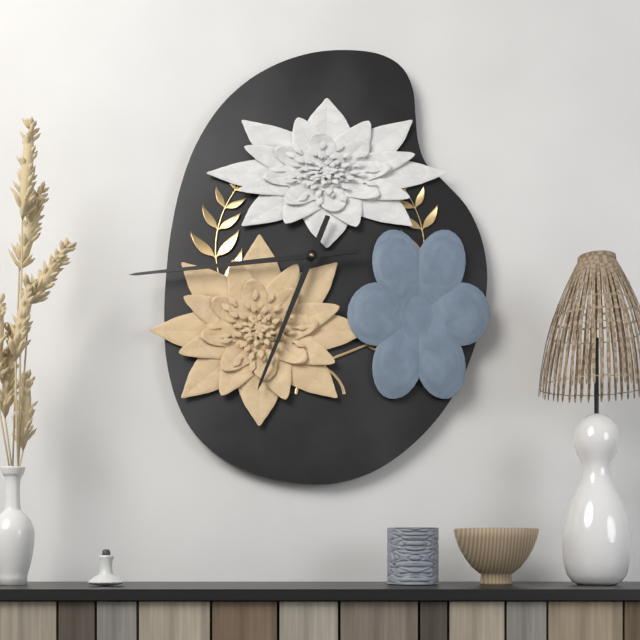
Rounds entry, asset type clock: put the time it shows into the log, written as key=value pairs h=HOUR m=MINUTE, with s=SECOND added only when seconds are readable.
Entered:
h=6 m=44
